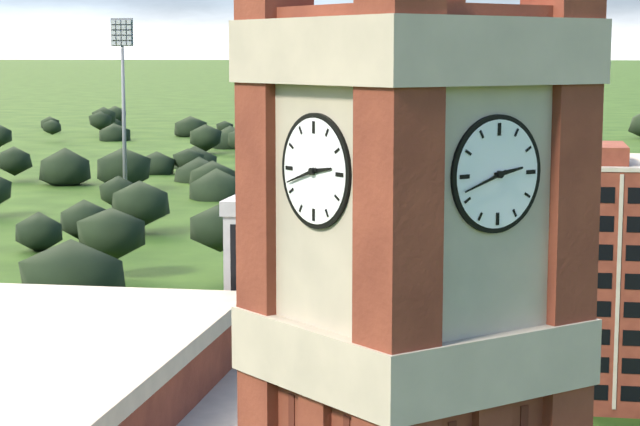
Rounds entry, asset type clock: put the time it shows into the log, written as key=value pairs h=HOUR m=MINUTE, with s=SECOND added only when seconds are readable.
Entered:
h=2 m=42
